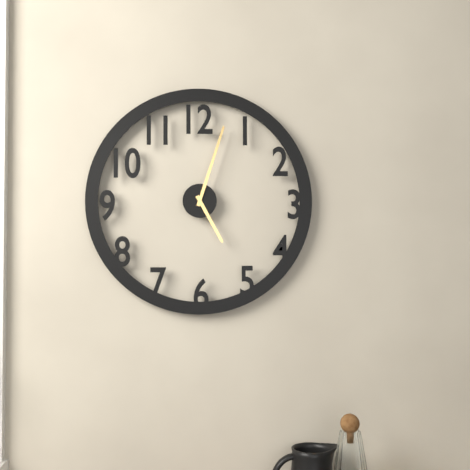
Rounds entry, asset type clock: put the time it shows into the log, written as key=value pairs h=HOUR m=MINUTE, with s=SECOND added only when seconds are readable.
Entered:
h=5 m=3
